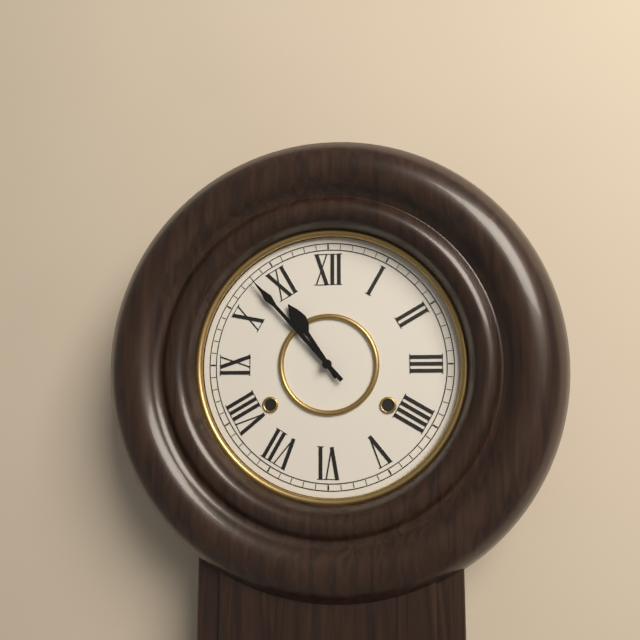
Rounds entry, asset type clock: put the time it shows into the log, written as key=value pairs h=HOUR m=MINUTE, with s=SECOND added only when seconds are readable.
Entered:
h=10 m=53
